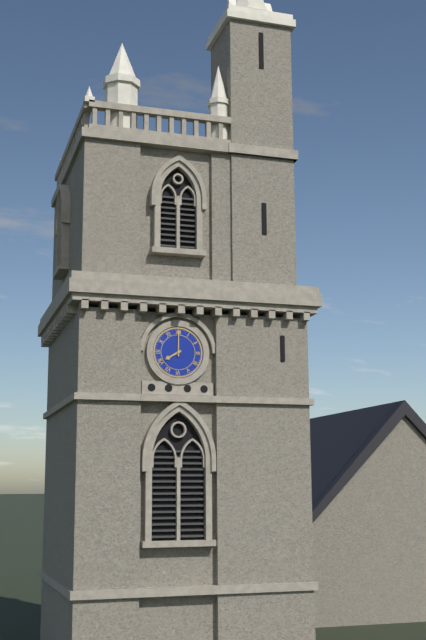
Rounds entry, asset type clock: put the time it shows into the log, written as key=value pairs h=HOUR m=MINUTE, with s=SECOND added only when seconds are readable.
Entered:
h=8 m=0
